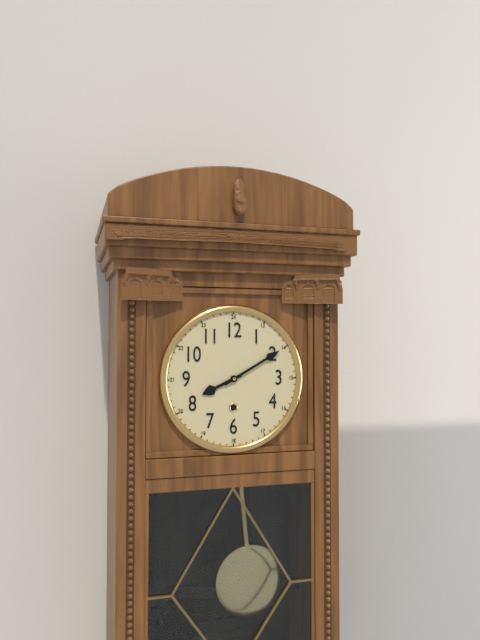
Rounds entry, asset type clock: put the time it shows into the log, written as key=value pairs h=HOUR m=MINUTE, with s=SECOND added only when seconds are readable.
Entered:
h=8 m=10
